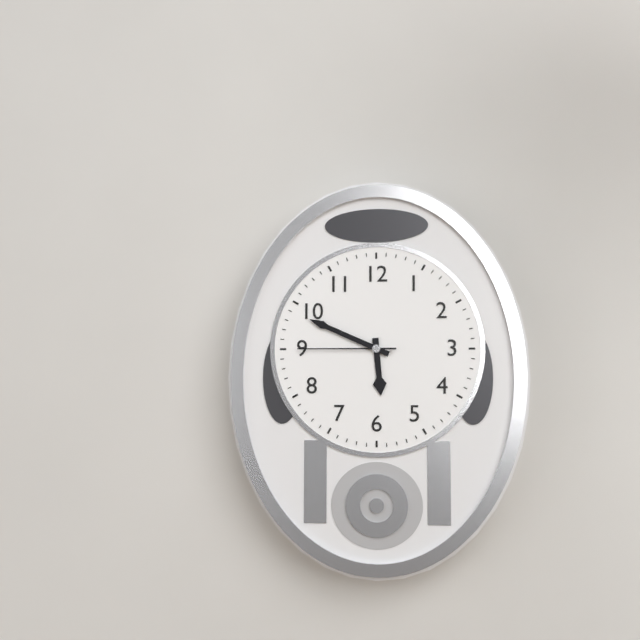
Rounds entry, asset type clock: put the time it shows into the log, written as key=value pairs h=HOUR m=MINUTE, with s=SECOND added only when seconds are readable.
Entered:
h=5 m=49 s=45
